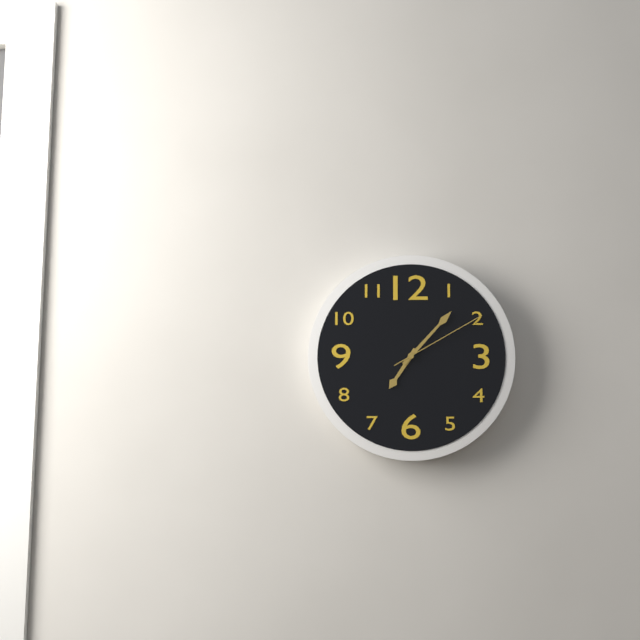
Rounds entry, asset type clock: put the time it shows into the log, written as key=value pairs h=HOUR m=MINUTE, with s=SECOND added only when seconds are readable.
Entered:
h=7 m=7 s=10
